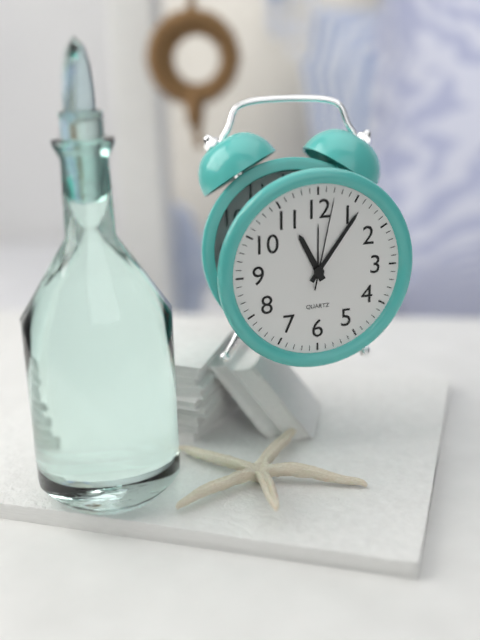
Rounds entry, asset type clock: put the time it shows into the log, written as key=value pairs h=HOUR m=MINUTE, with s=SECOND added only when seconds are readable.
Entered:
h=11 m=6 s=2
